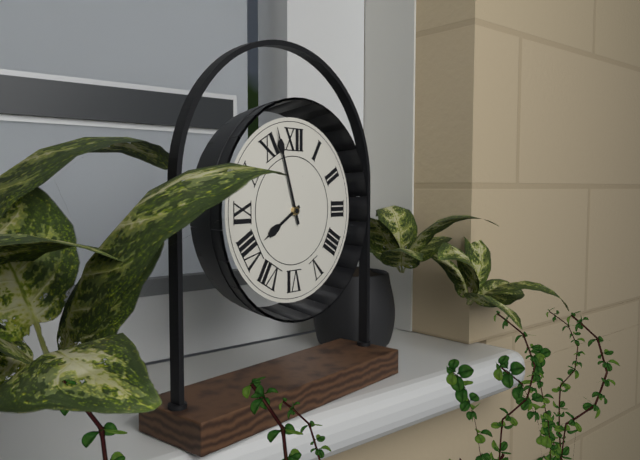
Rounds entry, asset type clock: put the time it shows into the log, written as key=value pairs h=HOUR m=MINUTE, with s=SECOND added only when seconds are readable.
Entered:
h=7 m=57
